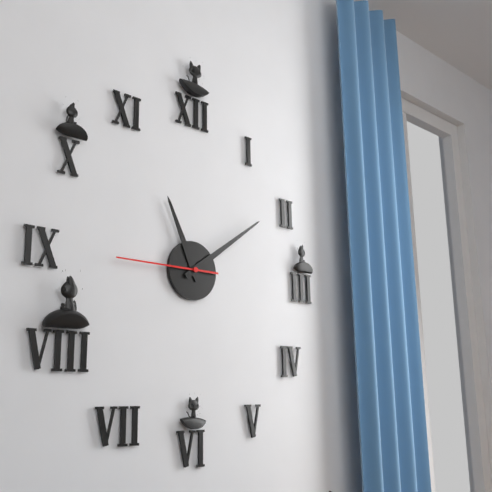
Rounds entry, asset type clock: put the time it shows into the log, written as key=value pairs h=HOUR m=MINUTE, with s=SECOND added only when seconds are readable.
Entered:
h=11 m=9 s=45
